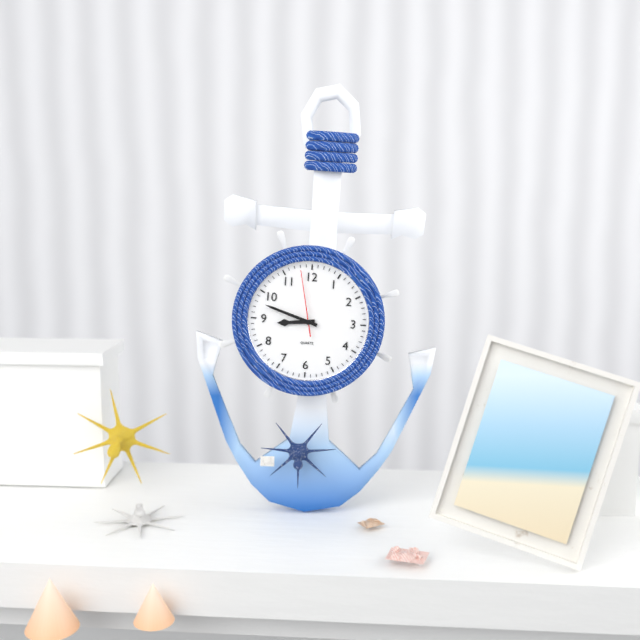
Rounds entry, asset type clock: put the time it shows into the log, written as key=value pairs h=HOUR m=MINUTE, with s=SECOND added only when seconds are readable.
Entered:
h=8 m=48 s=58
